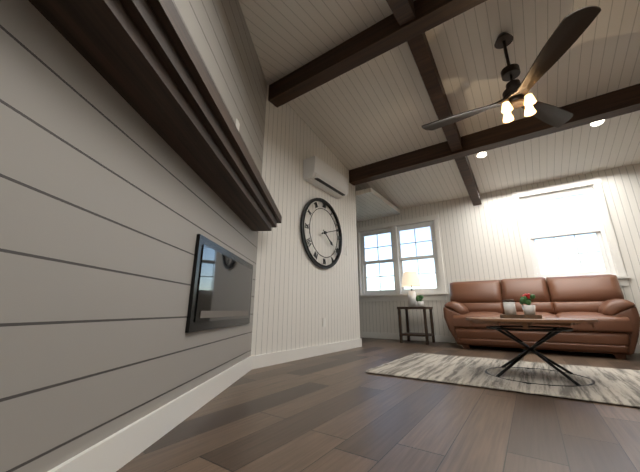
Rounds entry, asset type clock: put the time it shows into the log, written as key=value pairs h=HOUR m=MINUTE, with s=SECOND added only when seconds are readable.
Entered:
h=4 m=12
